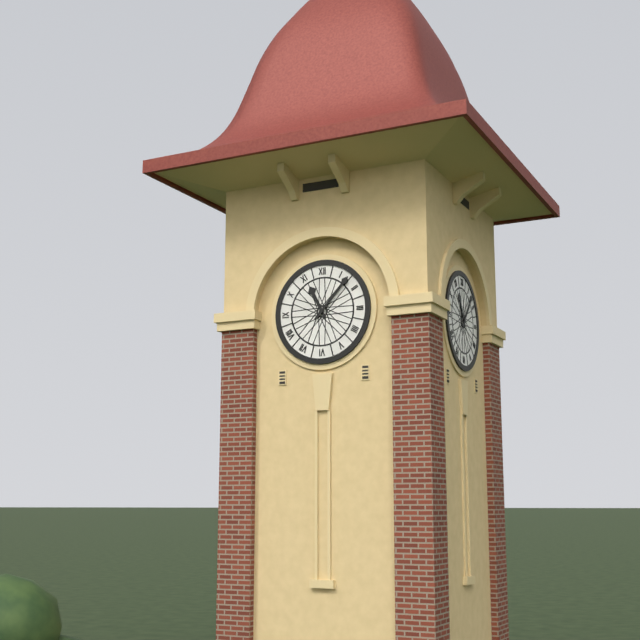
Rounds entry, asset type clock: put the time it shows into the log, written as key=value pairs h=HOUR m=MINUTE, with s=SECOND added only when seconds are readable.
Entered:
h=11 m=7
